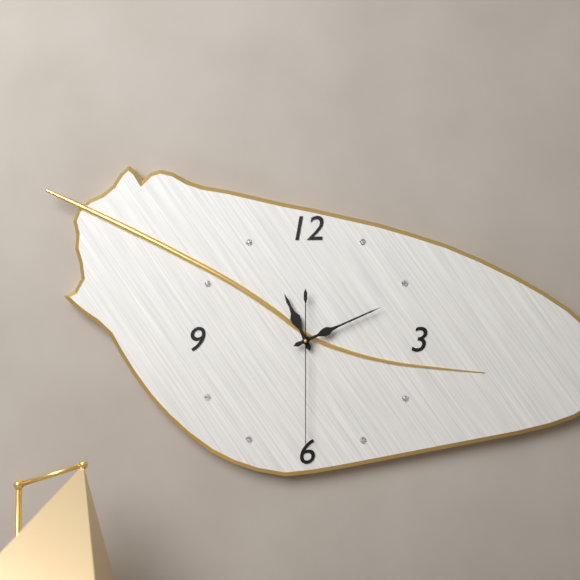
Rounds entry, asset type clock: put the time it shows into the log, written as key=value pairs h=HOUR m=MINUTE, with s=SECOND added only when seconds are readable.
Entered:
h=11 m=11 s=30
